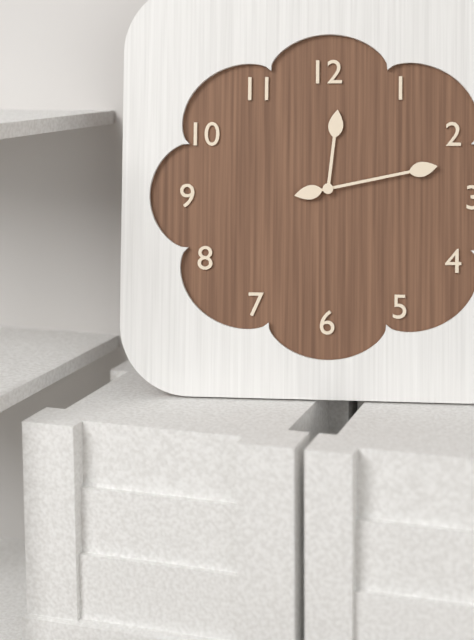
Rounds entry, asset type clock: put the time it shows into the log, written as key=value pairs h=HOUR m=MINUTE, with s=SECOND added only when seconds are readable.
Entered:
h=12 m=13
